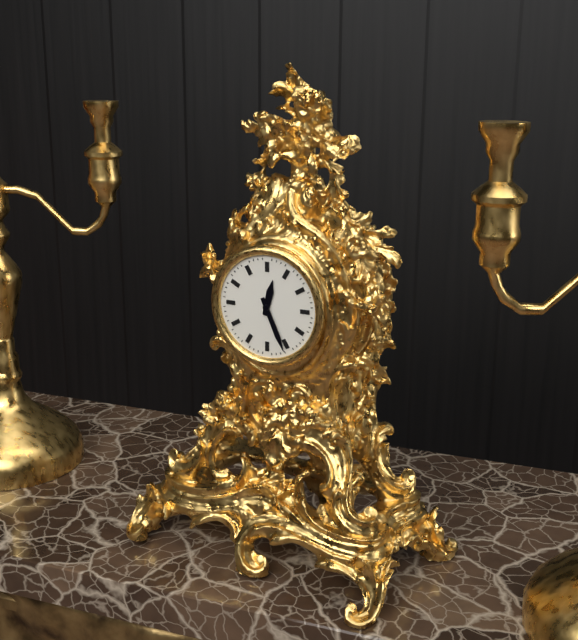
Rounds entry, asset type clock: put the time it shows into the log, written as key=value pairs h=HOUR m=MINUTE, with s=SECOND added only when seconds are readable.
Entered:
h=12 m=26
